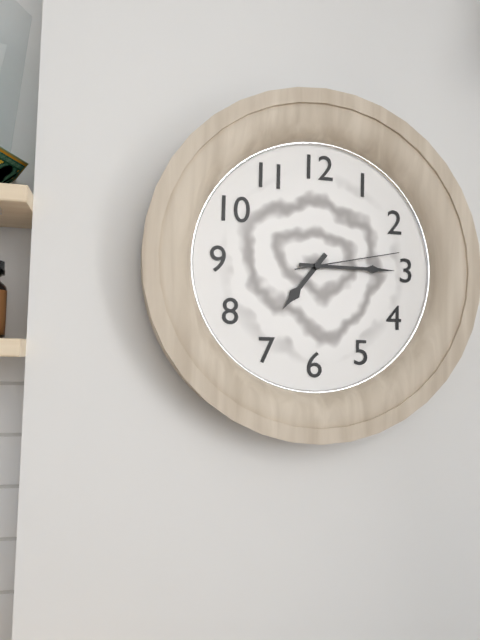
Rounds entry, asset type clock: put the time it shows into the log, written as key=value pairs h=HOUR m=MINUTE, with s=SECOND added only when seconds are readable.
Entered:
h=7 m=15 s=13
